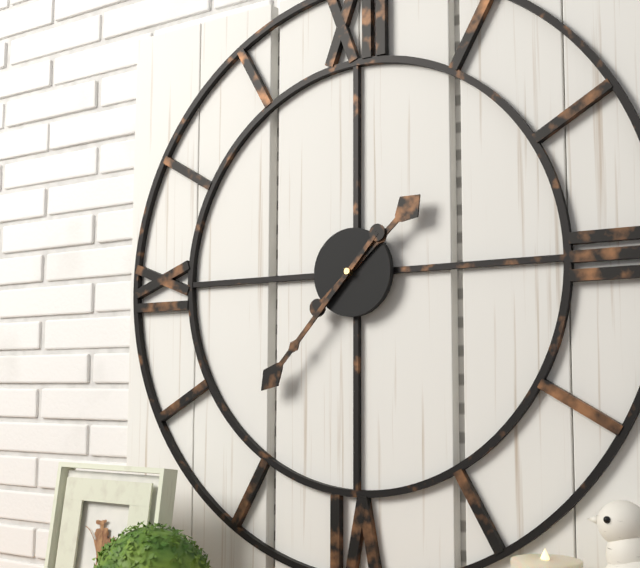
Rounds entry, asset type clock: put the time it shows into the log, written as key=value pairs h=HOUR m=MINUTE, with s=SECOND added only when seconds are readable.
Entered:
h=1 m=37
